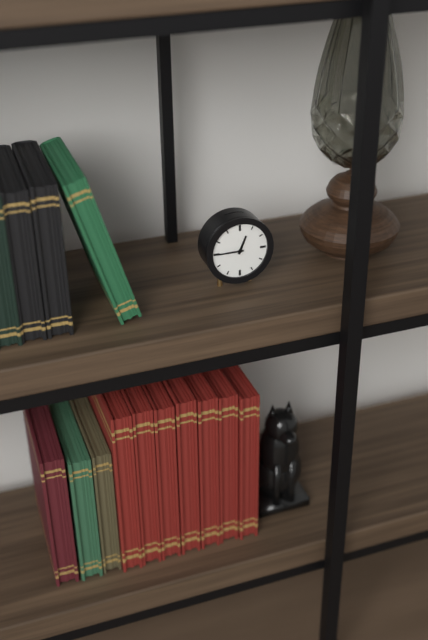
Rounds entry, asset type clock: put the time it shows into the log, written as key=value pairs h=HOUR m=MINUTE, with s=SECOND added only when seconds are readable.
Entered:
h=12 m=45
